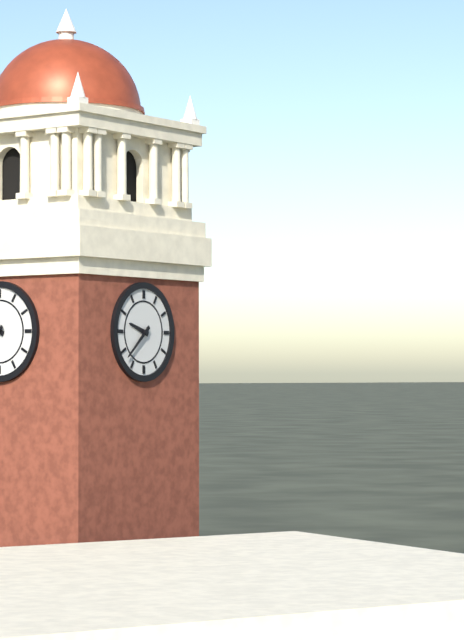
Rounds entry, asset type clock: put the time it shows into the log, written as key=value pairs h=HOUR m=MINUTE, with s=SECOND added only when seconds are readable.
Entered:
h=9 m=38
